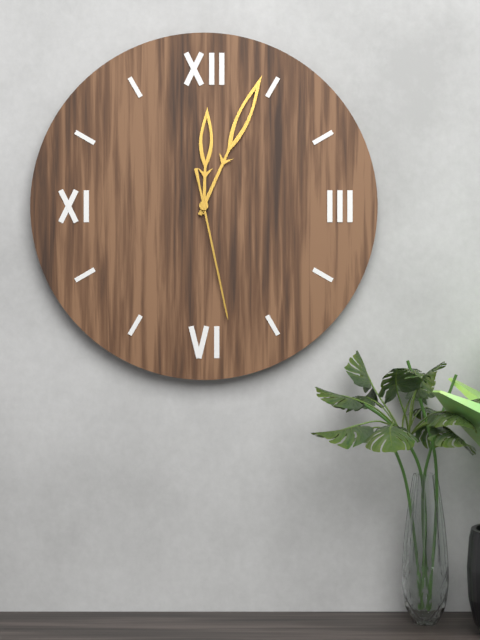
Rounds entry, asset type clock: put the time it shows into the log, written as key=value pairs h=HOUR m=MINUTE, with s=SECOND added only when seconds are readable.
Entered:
h=12 m=4 s=28
